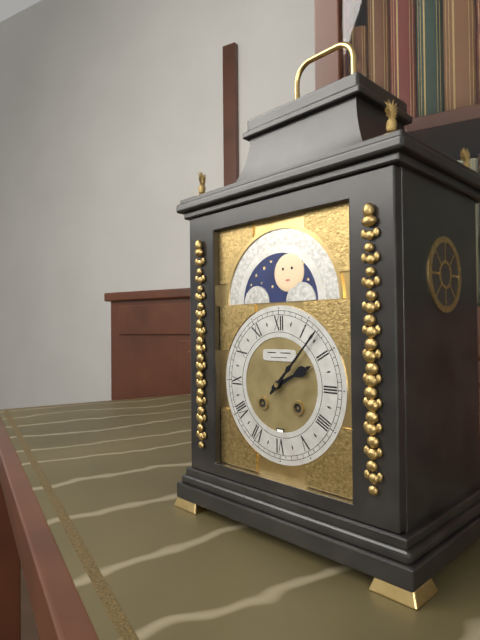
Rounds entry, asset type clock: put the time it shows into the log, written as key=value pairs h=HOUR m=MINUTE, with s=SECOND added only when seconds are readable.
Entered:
h=2 m=7
